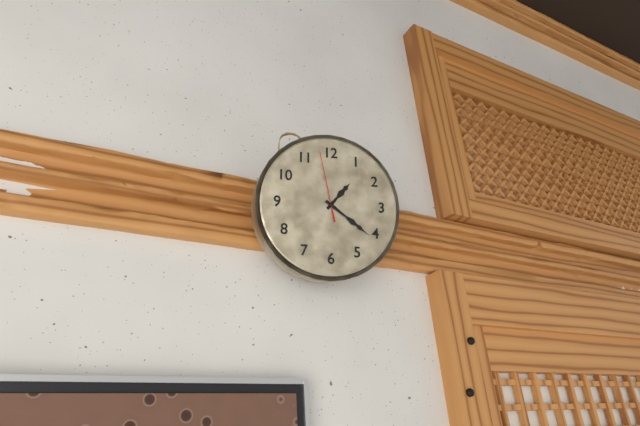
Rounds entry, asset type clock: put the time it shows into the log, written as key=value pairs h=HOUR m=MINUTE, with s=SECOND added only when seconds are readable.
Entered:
h=1 m=21 s=58
